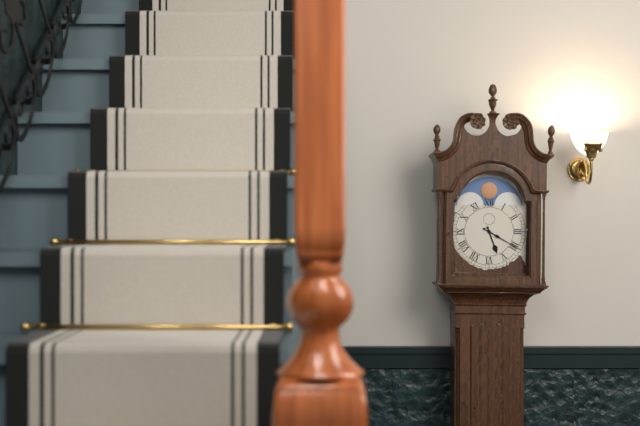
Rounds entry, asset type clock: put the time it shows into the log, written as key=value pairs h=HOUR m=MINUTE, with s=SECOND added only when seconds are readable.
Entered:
h=5 m=20
